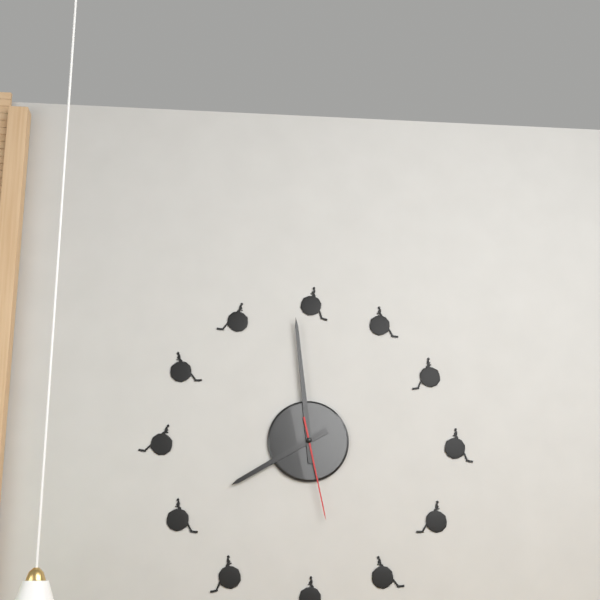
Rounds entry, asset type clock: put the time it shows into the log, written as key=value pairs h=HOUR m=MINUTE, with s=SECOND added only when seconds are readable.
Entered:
h=7 m=59 s=28
